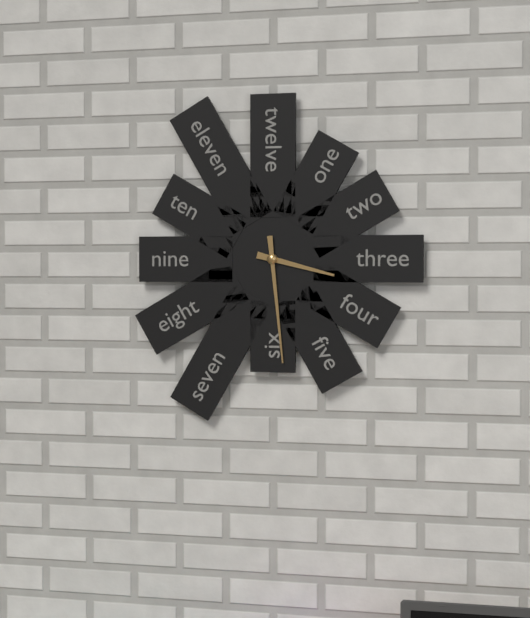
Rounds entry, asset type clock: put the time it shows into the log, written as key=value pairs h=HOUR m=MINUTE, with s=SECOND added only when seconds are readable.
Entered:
h=3 m=29
